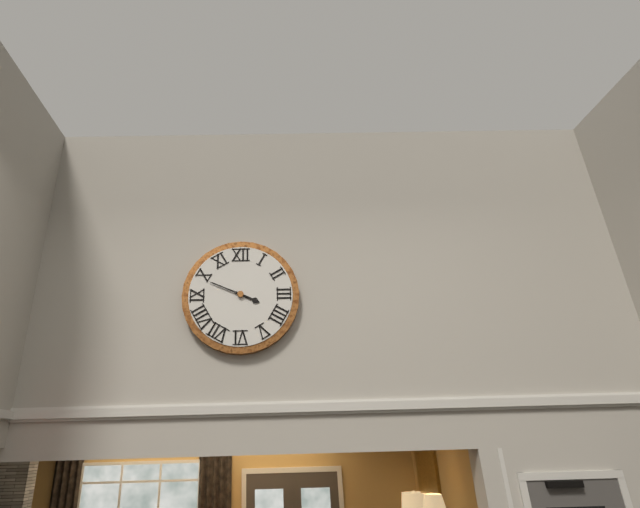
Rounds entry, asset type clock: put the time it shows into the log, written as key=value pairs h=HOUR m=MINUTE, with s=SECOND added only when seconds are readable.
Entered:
h=3 m=49
